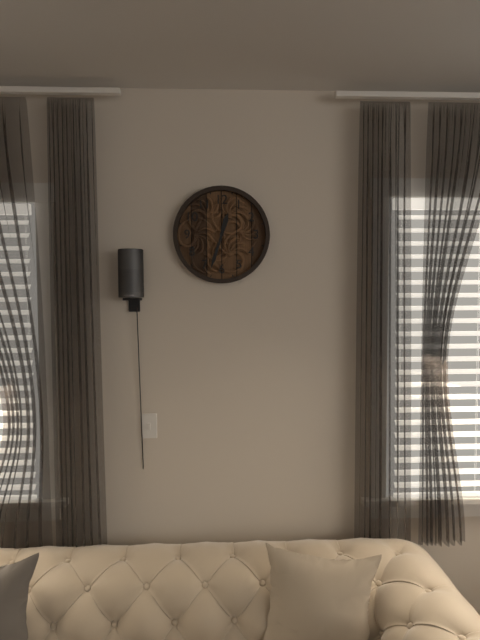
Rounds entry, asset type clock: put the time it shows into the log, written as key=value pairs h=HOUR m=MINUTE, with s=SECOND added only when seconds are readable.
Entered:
h=12 m=33
